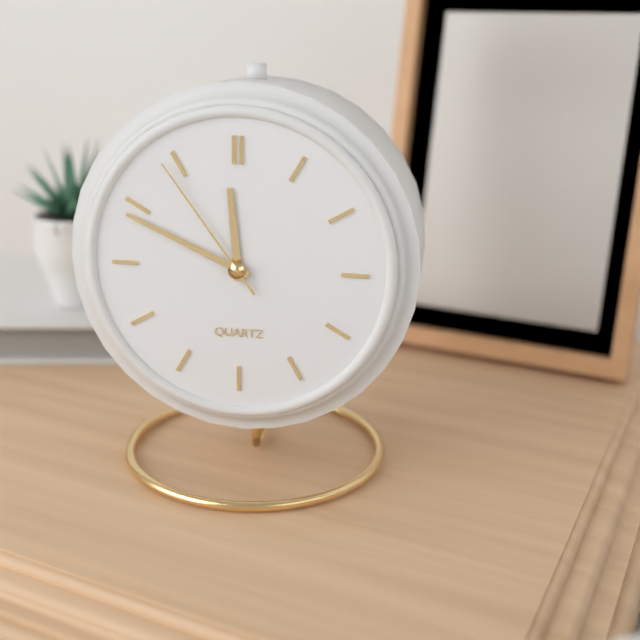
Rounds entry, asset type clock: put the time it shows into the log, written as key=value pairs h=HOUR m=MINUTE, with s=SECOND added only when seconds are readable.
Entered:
h=11 m=49 s=54
